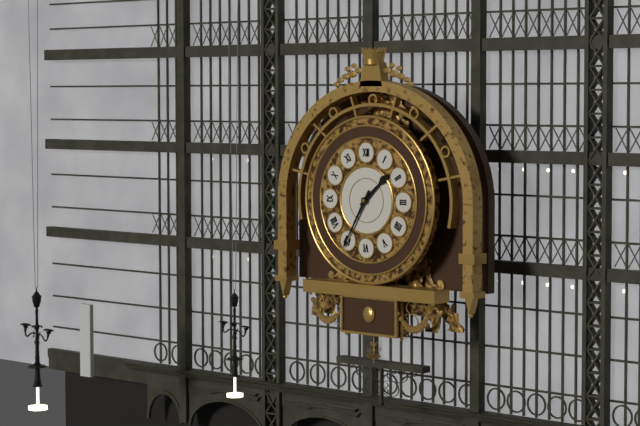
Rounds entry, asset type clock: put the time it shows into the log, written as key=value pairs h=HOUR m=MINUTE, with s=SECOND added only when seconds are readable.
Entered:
h=1 m=35
